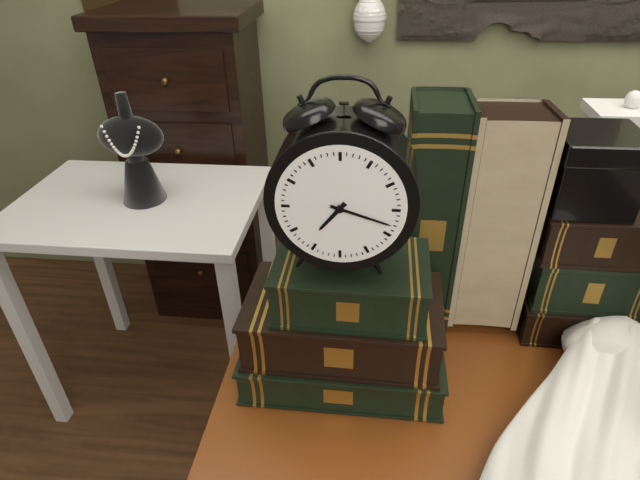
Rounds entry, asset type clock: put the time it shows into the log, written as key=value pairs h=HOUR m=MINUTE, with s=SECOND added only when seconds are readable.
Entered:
h=7 m=18
